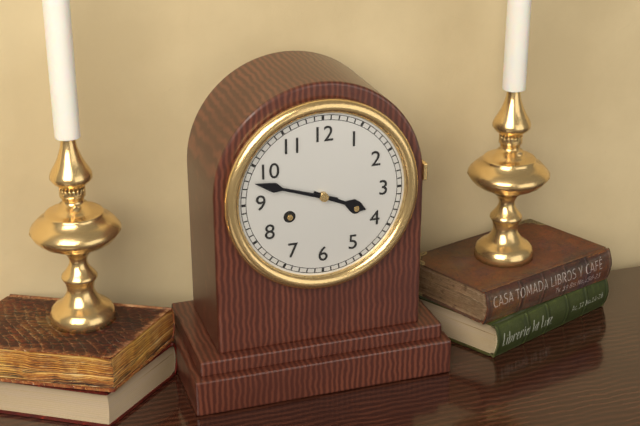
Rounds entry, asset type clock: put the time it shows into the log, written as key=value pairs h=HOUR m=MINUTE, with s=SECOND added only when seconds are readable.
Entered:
h=3 m=48
